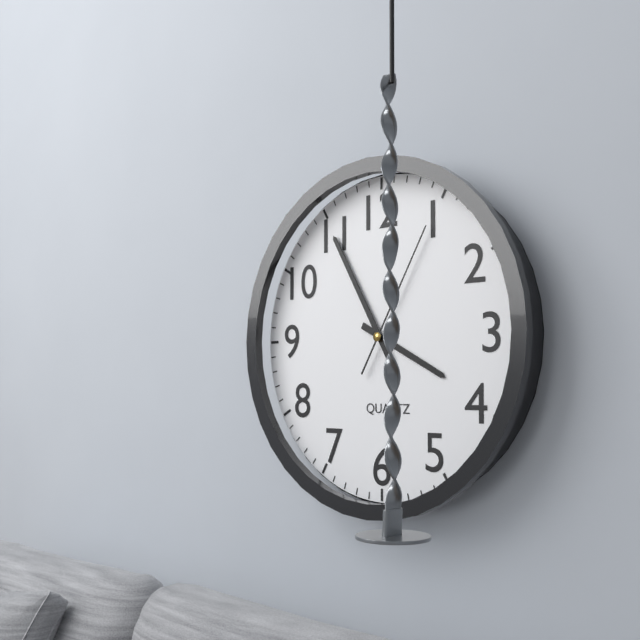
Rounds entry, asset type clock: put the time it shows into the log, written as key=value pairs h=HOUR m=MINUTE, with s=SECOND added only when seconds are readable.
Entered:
h=3 m=55 s=5
